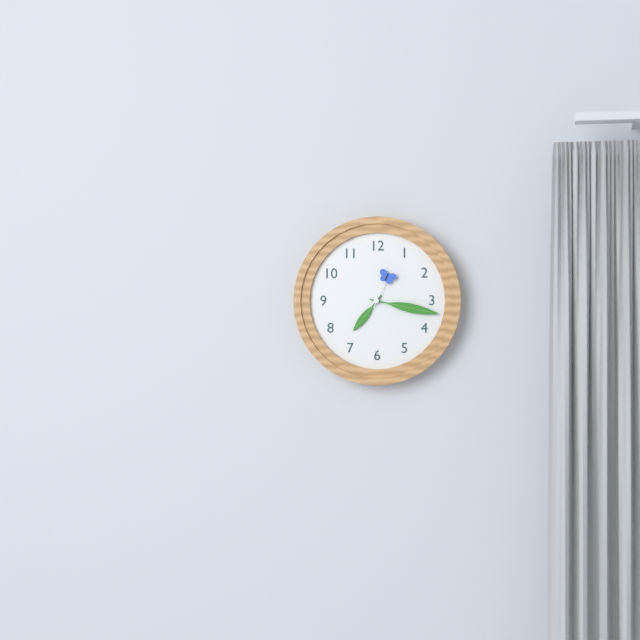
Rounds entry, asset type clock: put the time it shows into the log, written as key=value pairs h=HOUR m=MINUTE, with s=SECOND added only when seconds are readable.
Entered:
h=7 m=17
